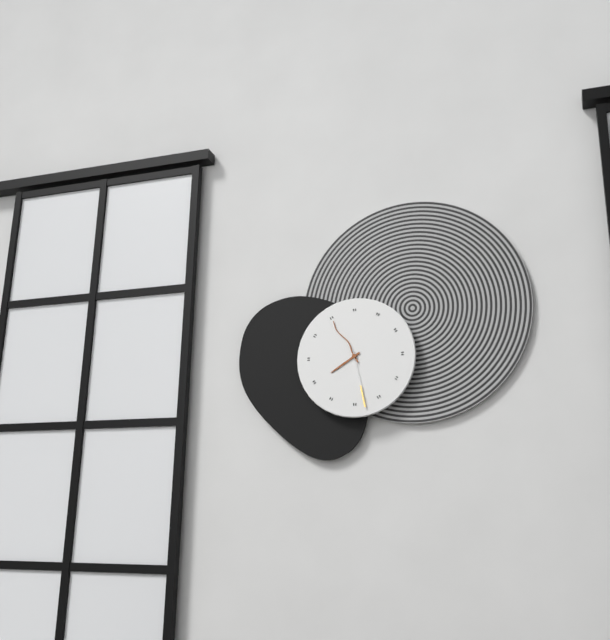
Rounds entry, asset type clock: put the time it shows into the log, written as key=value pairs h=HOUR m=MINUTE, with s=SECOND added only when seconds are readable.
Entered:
h=7 m=55 s=28
